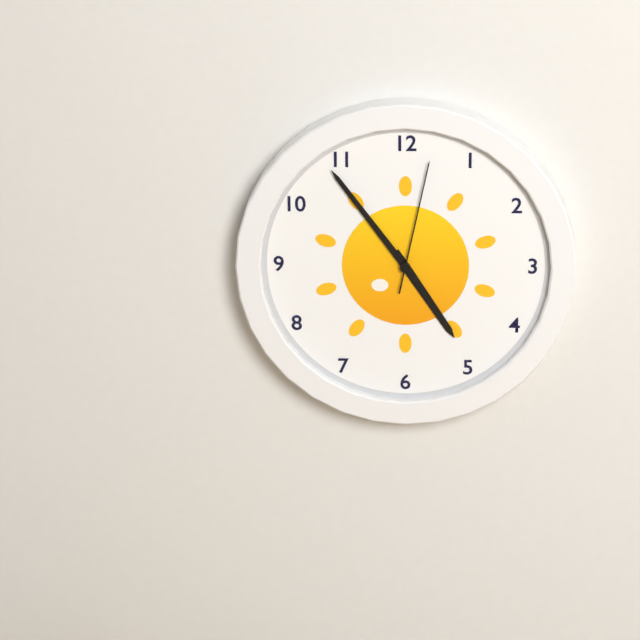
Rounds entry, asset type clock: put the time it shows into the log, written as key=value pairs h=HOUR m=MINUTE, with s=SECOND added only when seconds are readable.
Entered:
h=4 m=54 s=2
